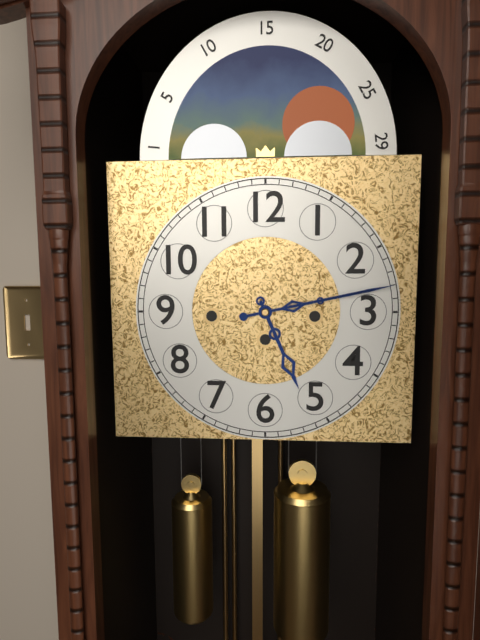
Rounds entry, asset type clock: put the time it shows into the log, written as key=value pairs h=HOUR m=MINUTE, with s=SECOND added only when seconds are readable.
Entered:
h=5 m=13
